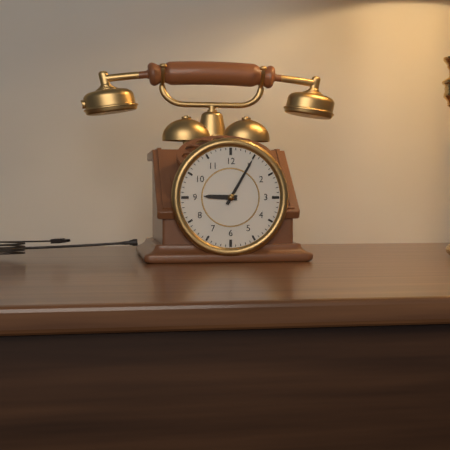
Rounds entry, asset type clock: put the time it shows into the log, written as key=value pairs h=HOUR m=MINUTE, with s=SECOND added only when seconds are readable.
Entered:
h=9 m=5
